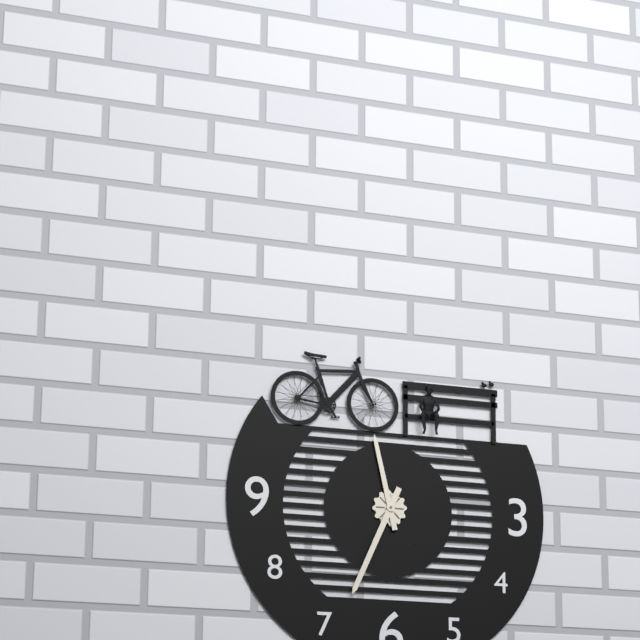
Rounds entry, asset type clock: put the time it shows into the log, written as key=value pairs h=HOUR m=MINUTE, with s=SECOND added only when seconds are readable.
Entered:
h=11 m=34
